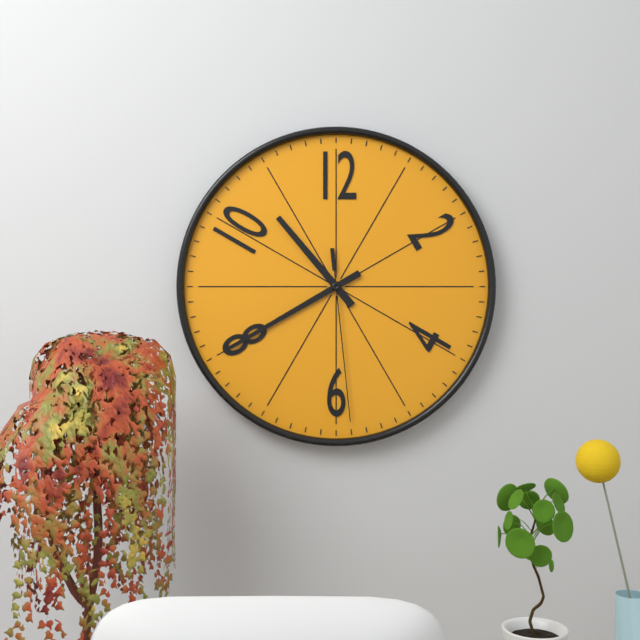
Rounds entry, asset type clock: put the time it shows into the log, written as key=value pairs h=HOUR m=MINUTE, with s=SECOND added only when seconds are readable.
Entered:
h=10 m=40 s=29
